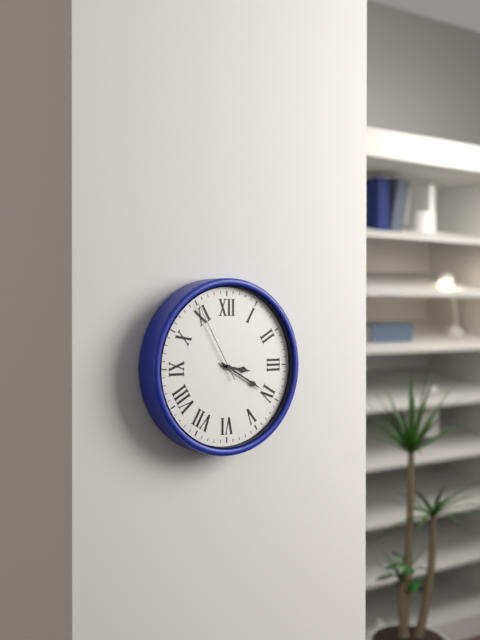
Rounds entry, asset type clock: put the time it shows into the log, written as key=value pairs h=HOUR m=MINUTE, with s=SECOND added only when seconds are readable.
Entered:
h=3 m=20 s=55
